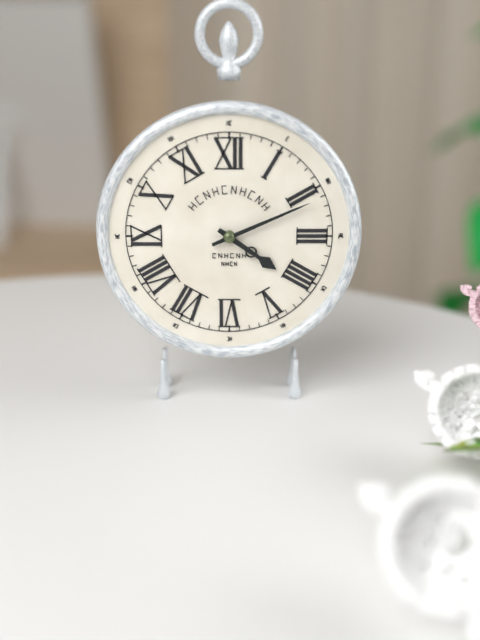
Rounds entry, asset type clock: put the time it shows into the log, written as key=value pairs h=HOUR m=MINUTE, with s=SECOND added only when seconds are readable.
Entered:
h=4 m=11
